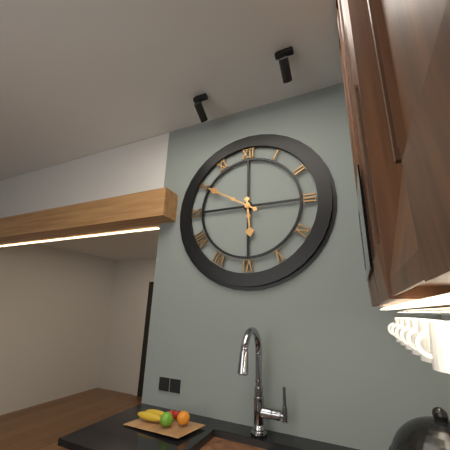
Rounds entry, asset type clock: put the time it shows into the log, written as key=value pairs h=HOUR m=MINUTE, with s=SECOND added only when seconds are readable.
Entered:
h=5 m=50
